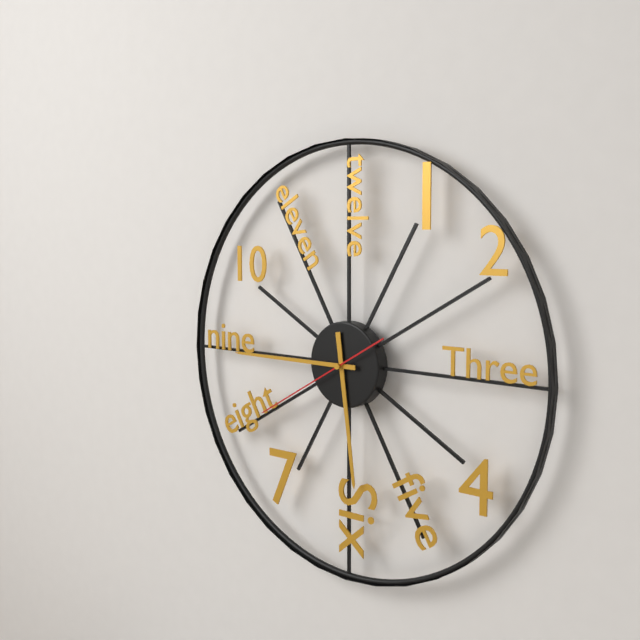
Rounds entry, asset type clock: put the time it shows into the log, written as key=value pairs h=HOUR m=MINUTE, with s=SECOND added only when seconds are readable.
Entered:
h=5 m=45 s=40
